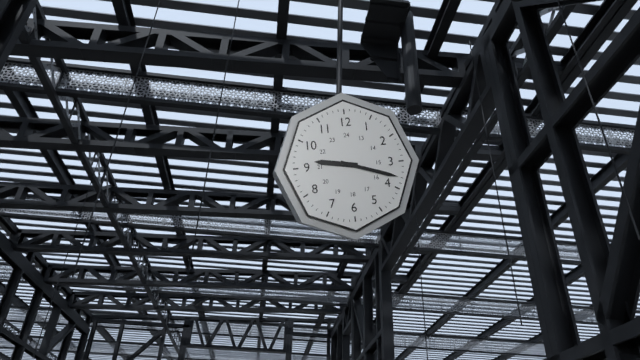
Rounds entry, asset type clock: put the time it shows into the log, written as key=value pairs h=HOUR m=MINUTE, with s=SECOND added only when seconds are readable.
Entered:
h=9 m=18
